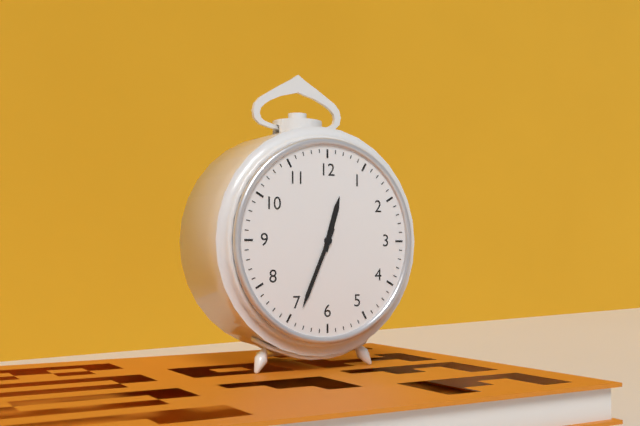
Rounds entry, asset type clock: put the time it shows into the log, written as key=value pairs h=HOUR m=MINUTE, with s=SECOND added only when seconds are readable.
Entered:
h=12 m=34
